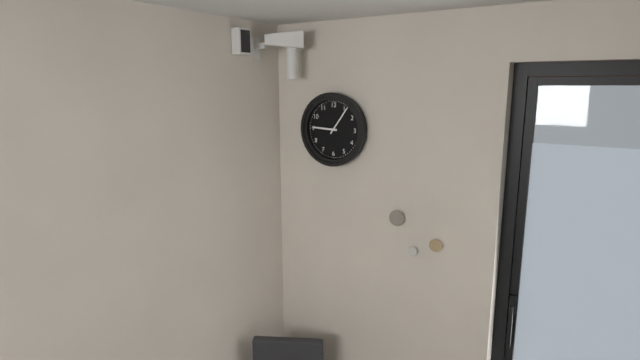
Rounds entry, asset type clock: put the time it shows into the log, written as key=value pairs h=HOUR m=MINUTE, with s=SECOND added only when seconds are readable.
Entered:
h=9 m=6
